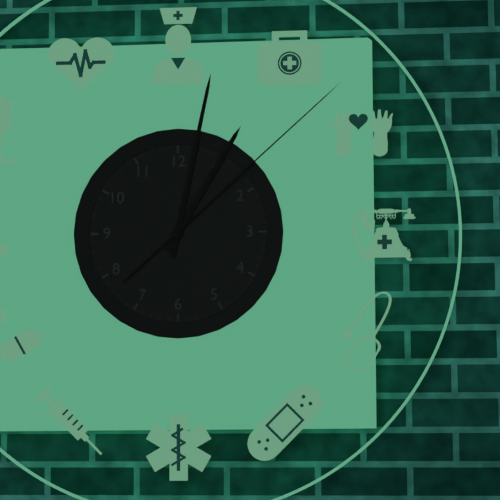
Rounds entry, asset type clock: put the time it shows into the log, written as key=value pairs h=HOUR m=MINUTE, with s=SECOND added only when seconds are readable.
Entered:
h=1 m=2 s=8
